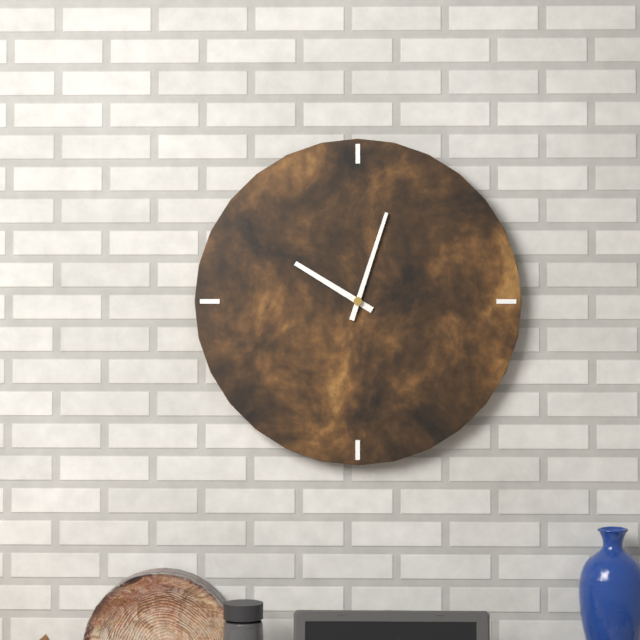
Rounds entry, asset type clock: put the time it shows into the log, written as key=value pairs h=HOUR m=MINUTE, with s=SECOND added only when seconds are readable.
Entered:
h=10 m=3
